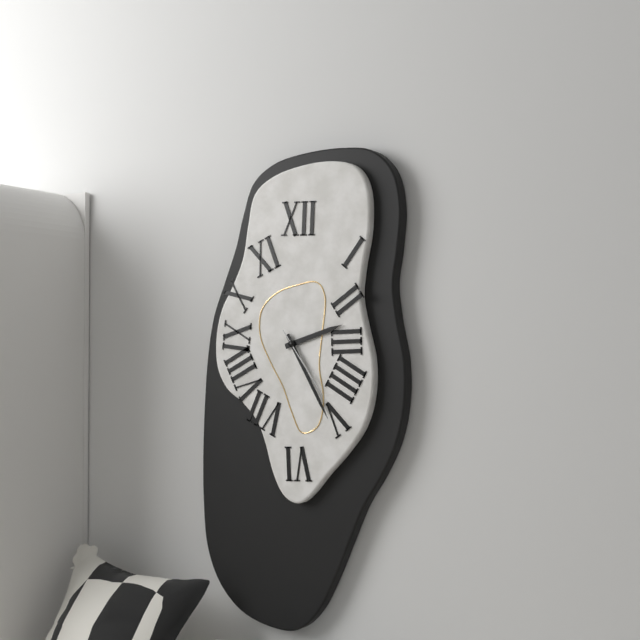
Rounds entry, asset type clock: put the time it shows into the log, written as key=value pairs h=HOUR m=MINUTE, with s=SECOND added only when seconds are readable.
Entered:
h=2 m=25 s=24
